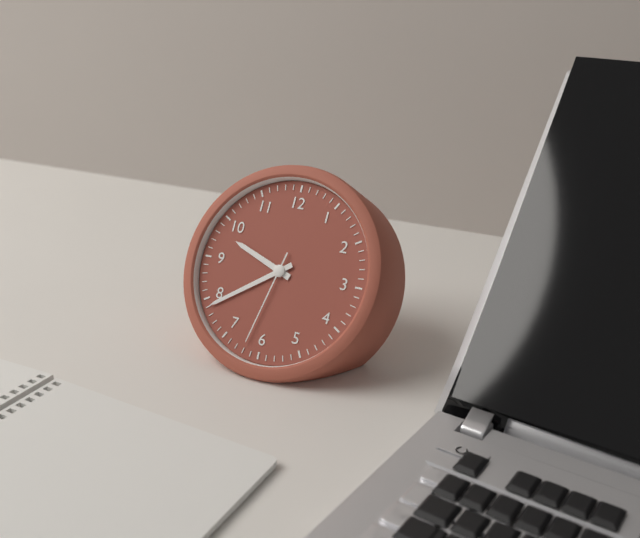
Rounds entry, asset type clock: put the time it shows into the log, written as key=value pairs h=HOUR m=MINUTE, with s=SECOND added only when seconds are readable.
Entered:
h=9 m=39 s=32
